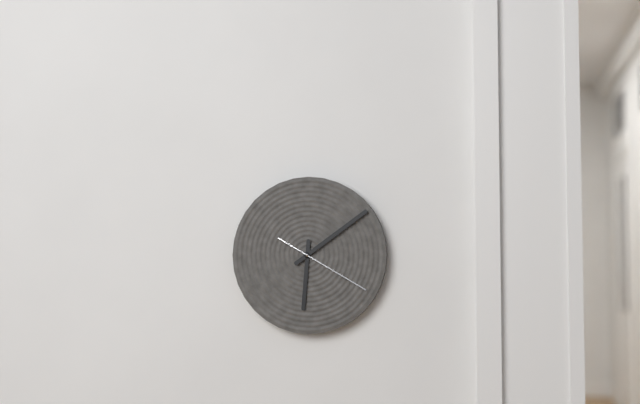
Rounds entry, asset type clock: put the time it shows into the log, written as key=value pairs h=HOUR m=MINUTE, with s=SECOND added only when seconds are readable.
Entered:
h=6 m=9 s=20
